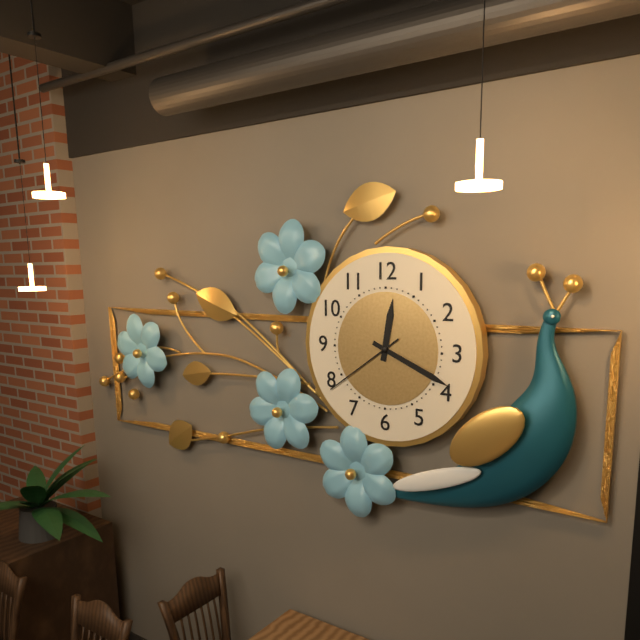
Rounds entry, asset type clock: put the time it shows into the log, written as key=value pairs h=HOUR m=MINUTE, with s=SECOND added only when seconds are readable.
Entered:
h=12 m=19 s=39
